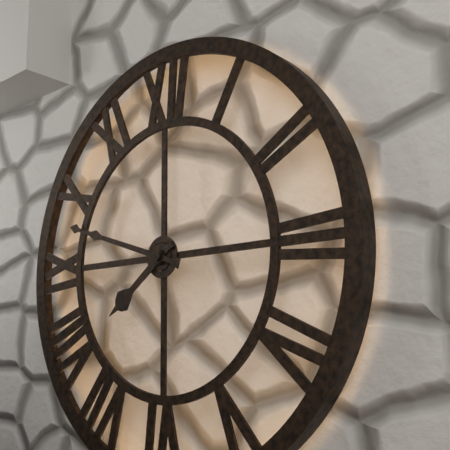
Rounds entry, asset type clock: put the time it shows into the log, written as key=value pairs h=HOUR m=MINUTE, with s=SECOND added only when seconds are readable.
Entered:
h=7 m=48
